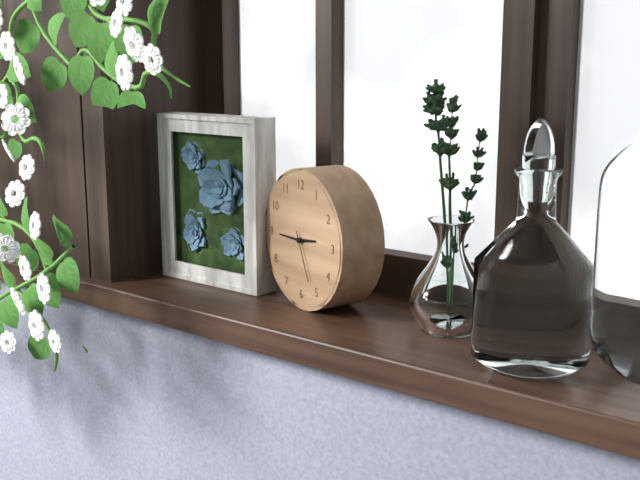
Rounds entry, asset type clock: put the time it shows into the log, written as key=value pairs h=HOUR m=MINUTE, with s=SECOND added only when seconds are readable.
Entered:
h=2 m=45 s=26
